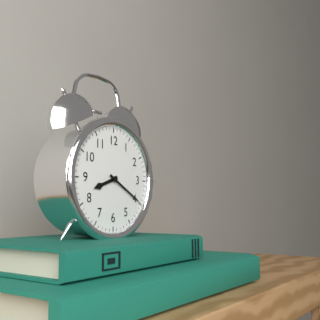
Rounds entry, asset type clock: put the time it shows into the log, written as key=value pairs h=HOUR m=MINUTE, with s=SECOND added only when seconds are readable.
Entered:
h=8 m=20
